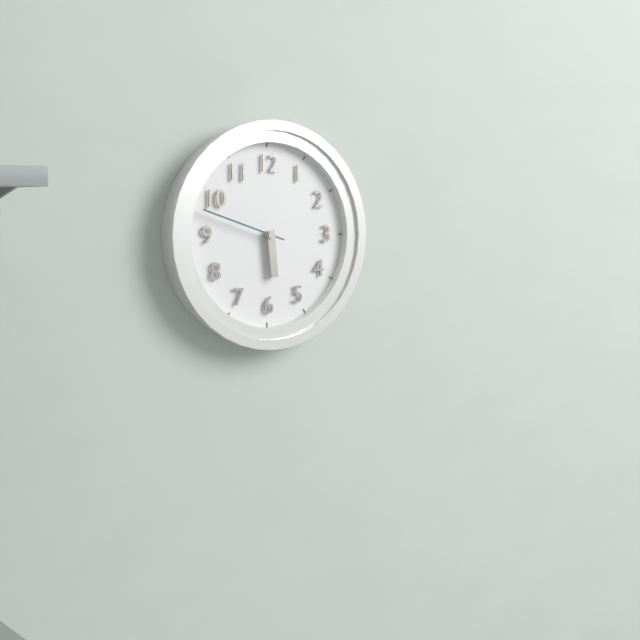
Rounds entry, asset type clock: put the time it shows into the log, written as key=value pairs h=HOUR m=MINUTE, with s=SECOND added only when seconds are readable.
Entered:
h=5 m=48
